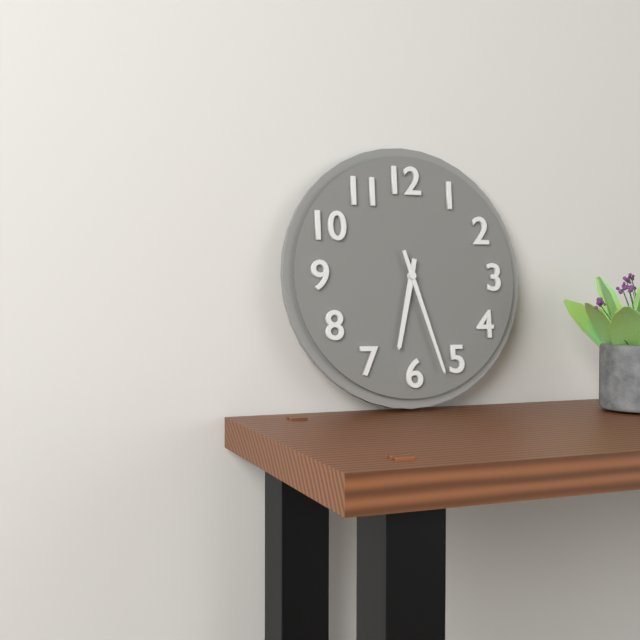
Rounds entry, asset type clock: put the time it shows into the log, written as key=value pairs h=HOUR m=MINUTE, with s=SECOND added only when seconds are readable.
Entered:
h=6 m=27
